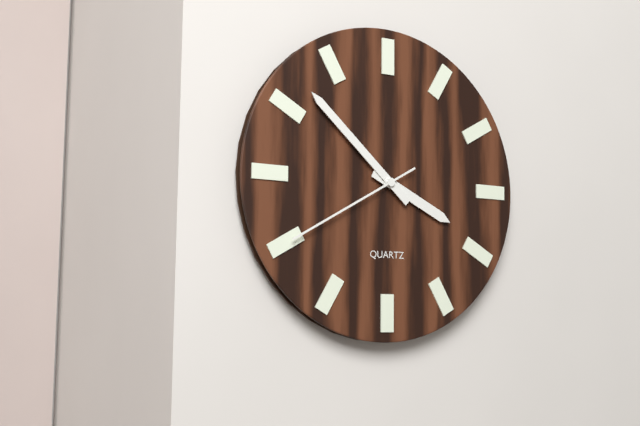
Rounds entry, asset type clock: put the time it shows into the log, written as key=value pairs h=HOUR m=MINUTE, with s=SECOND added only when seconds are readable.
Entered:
h=3 m=52 s=40
